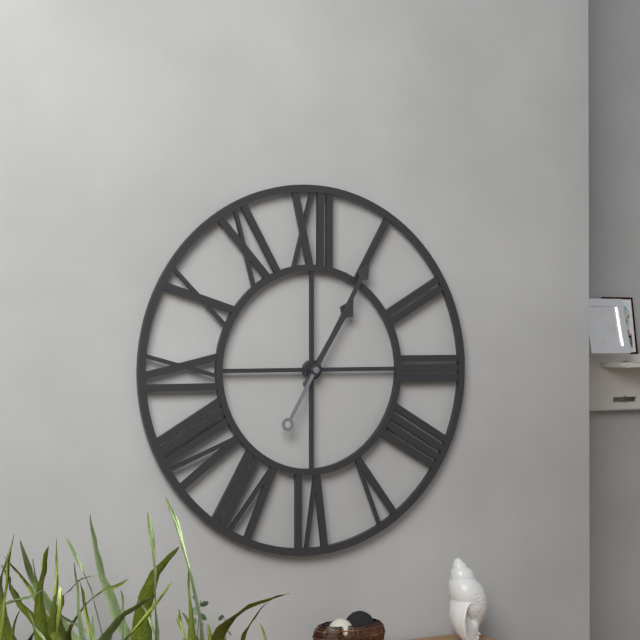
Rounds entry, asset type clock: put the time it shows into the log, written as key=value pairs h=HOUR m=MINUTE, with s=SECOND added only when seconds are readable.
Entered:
h=1 m=5
